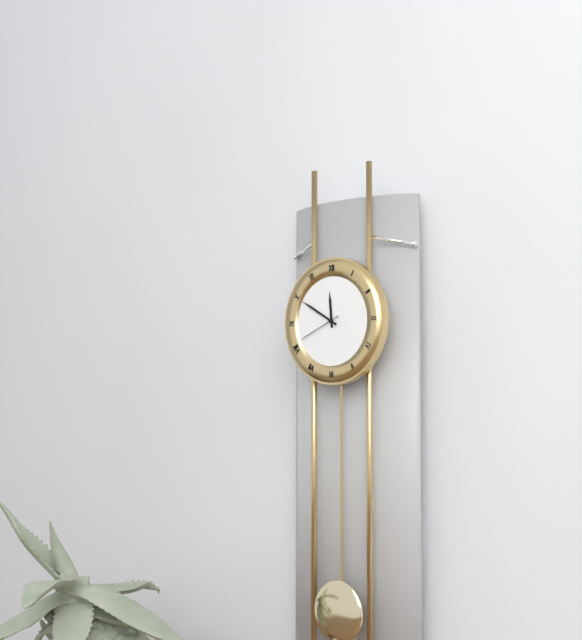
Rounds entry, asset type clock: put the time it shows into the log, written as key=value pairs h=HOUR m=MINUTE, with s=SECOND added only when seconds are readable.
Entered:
h=11 m=50
